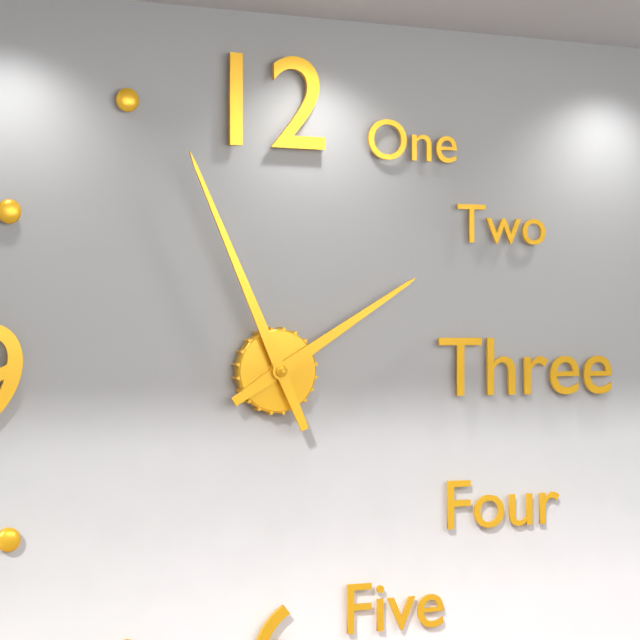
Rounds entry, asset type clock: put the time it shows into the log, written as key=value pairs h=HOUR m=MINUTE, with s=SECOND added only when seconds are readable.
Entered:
h=1 m=56
